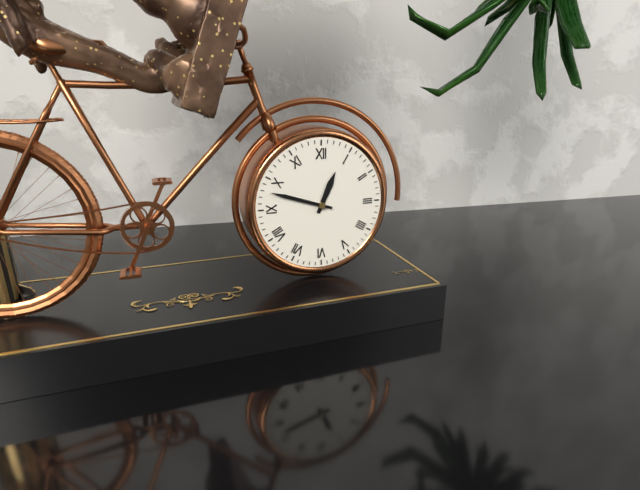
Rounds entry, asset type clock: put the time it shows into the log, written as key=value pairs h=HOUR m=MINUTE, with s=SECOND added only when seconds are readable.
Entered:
h=12 m=48
